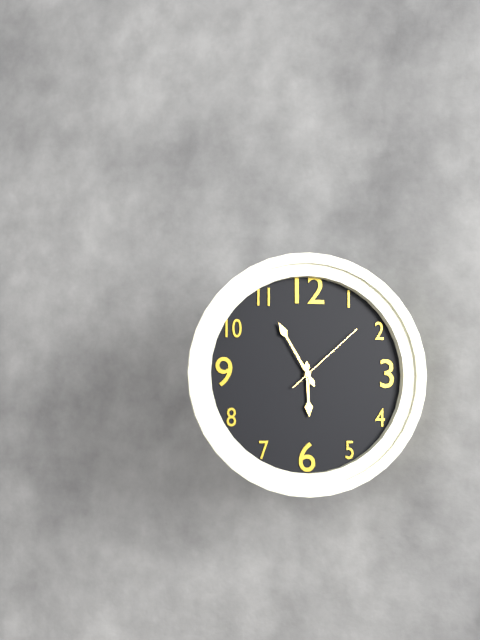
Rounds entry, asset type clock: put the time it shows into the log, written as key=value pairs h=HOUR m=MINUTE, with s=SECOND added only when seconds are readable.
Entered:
h=5 m=55 s=8
